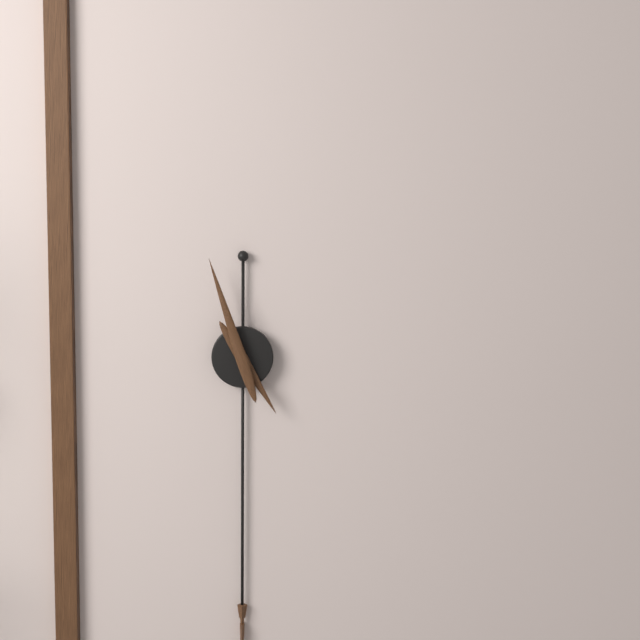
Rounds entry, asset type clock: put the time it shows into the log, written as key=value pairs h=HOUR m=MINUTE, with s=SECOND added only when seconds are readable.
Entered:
h=4 m=57
